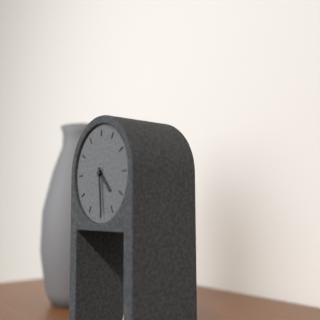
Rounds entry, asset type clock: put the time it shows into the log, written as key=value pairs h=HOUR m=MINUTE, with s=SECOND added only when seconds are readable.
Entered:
h=4 m=29
